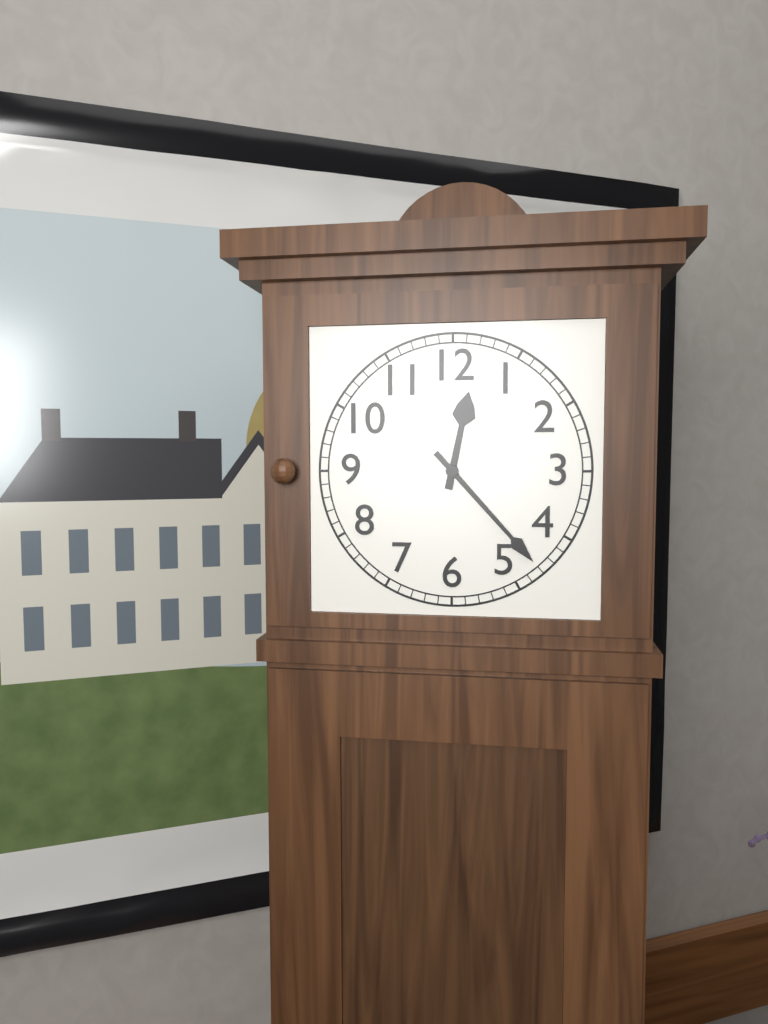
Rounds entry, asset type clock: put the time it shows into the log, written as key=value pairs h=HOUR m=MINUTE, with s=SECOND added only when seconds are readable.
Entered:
h=12 m=23
